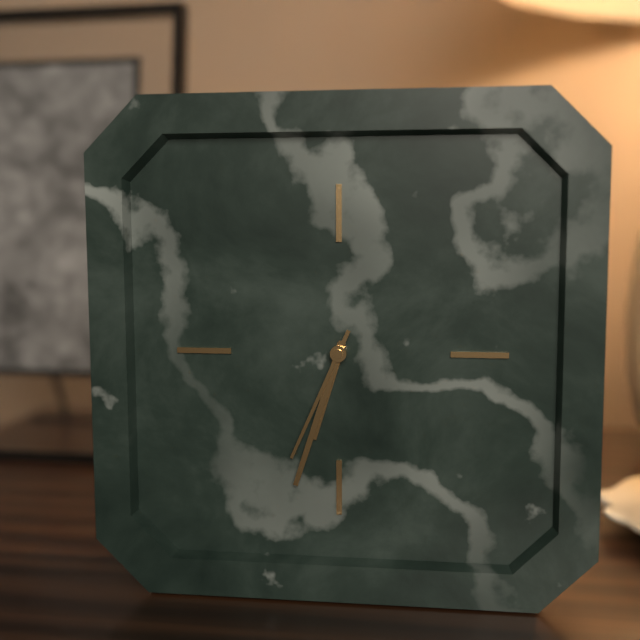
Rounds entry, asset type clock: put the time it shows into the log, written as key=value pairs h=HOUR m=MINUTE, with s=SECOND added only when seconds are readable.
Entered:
h=6 m=33 s=34
